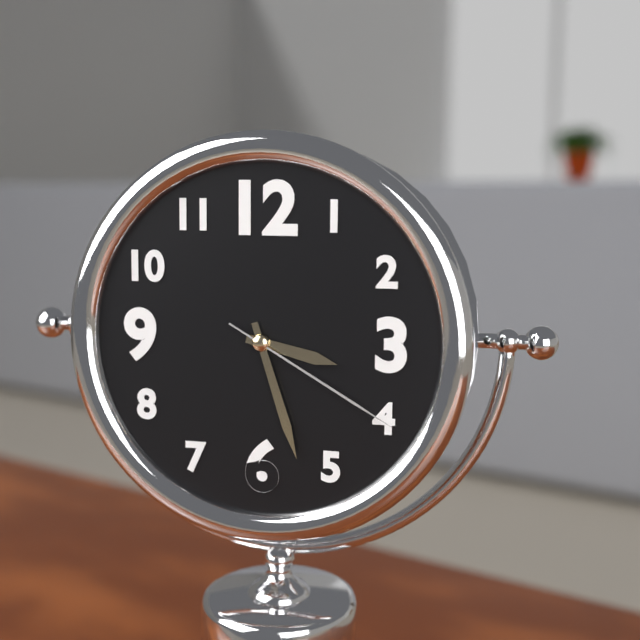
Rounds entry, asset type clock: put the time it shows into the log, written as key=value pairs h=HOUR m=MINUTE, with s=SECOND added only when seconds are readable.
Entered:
h=3 m=27 s=20
